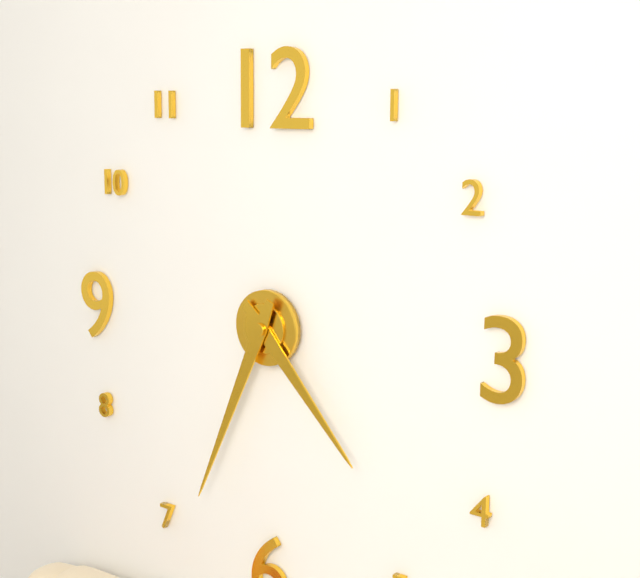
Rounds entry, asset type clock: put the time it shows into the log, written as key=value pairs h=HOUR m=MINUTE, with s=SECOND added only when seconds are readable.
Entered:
h=4 m=34
